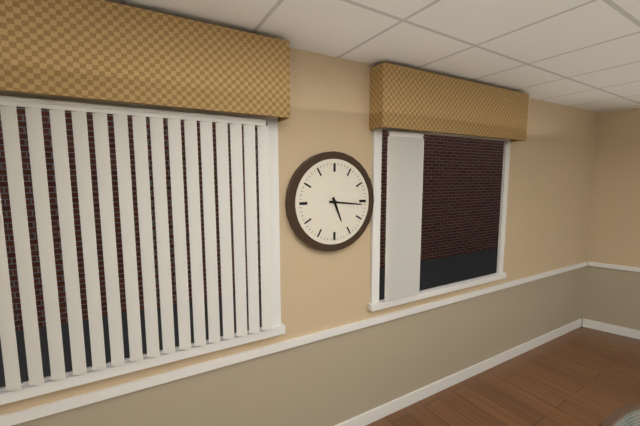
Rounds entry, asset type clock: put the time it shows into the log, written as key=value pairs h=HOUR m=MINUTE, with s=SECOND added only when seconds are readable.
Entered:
h=5 m=16
